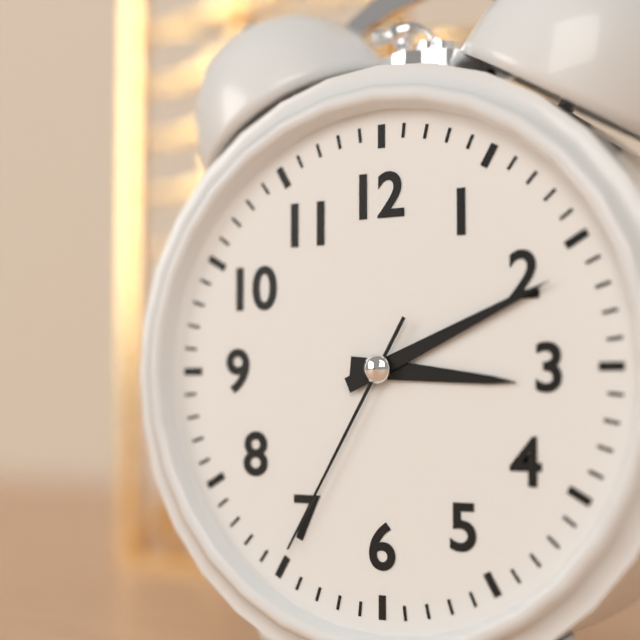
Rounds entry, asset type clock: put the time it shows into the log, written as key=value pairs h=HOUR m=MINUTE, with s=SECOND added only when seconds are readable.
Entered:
h=3 m=11 s=35
